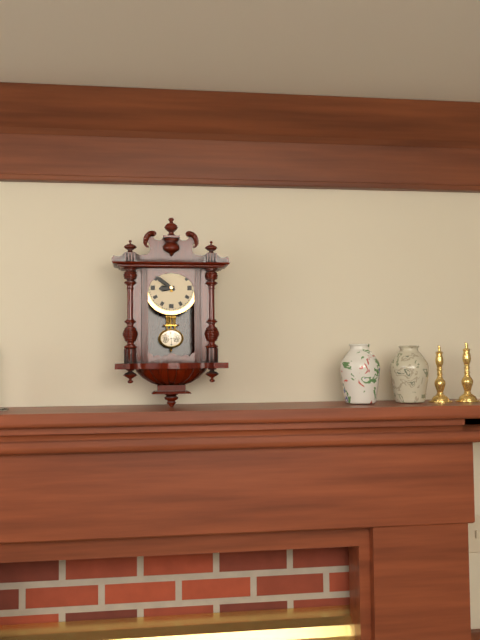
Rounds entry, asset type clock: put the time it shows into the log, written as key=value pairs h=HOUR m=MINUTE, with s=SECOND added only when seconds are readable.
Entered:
h=8 m=51
